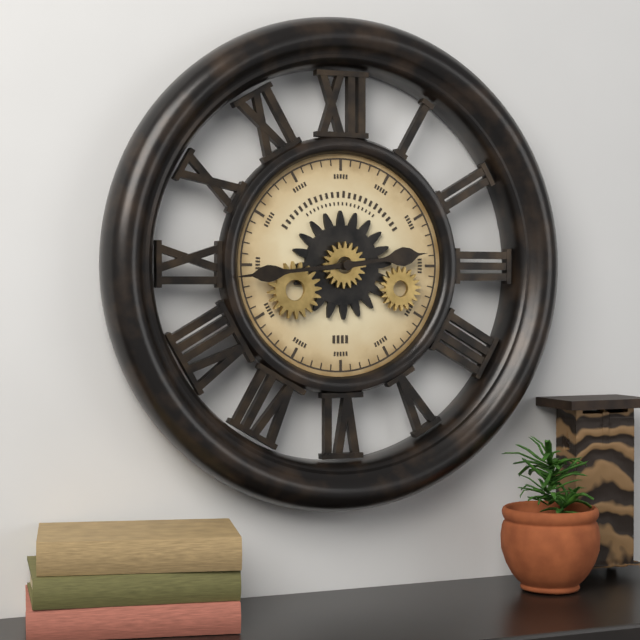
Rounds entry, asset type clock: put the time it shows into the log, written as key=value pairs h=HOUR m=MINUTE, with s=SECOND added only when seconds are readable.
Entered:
h=2 m=44
